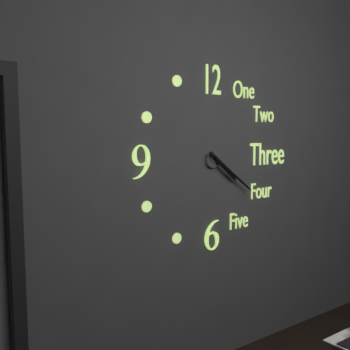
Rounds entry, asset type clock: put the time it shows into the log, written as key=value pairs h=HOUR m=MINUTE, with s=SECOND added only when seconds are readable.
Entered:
h=4 m=21
